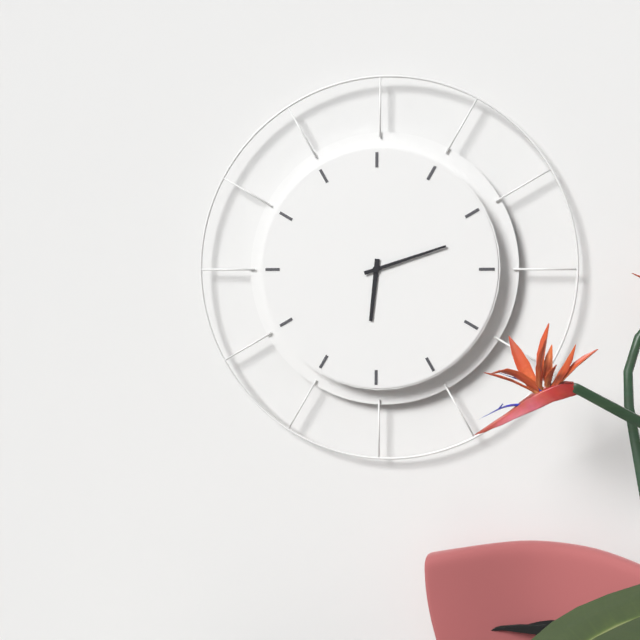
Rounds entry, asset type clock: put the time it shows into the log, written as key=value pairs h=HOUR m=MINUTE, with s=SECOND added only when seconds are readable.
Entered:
h=6 m=12
